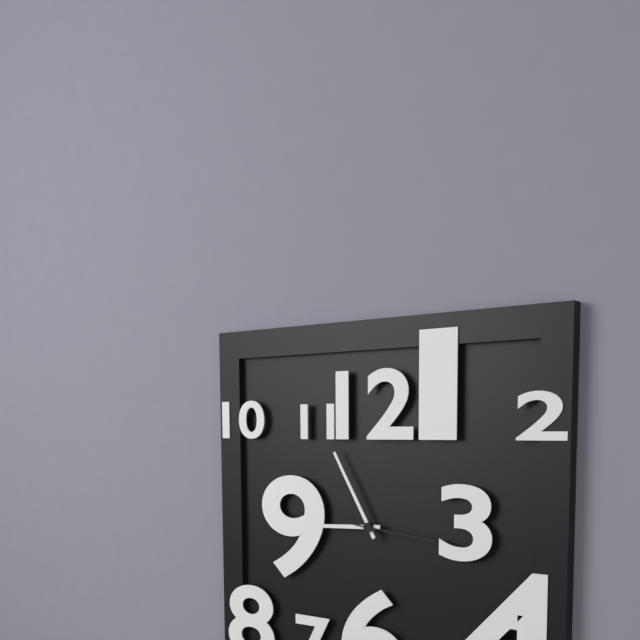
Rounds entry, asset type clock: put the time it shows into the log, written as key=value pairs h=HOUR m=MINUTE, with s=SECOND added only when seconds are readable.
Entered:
h=8 m=55 s=16
